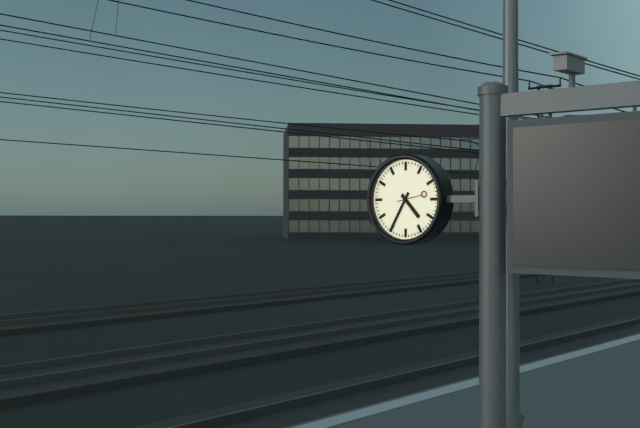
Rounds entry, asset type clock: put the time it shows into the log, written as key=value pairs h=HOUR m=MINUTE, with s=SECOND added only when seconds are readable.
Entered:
h=4 m=35
